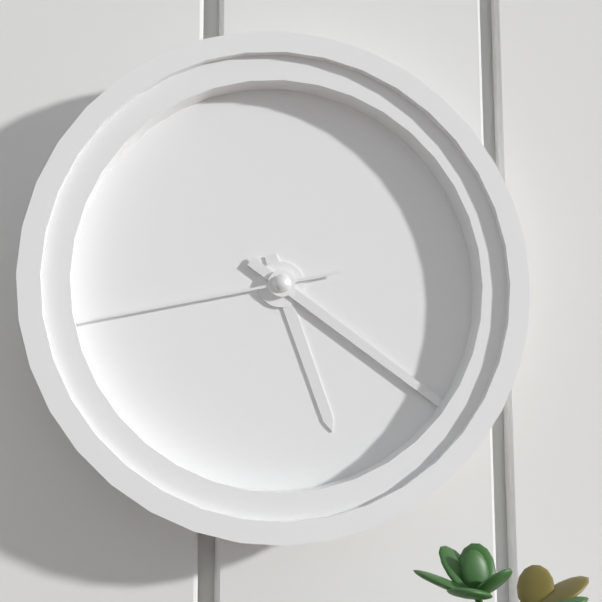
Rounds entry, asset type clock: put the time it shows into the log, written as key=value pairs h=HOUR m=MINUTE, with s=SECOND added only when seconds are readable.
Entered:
h=5 m=21 s=43
